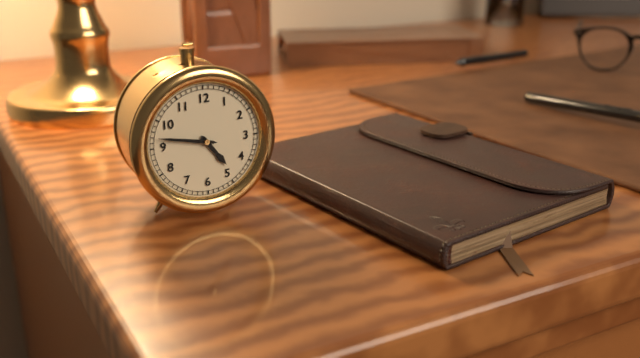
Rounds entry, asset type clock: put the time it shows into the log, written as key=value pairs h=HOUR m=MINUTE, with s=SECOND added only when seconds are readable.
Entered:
h=4 m=47
